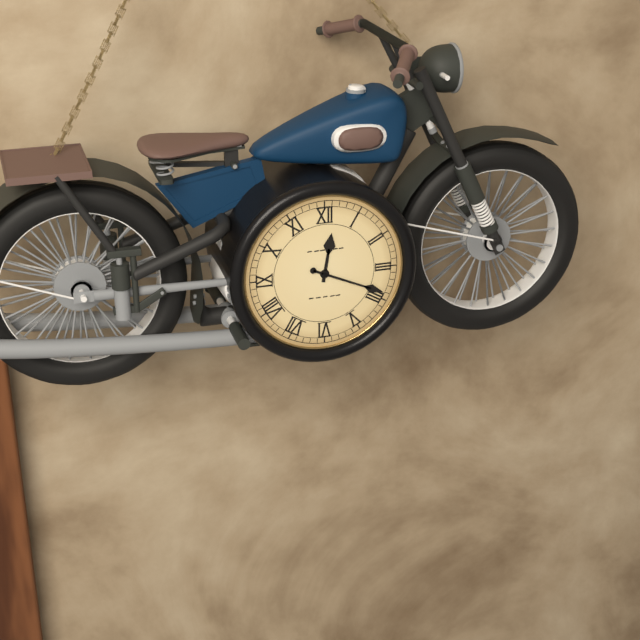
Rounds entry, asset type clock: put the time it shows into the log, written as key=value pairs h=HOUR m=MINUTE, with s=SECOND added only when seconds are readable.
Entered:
h=12 m=19
